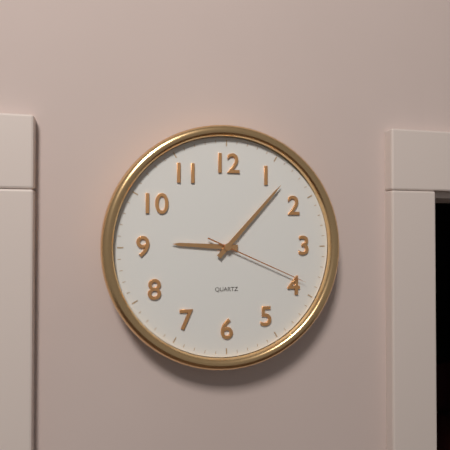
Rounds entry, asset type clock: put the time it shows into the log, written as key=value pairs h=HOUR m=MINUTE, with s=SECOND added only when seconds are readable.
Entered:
h=9 m=7 s=19
